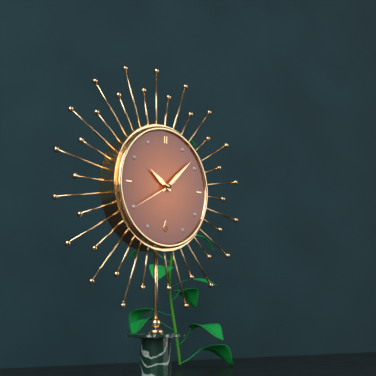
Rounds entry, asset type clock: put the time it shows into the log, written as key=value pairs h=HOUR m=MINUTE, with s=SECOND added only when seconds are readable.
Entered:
h=10 m=8
